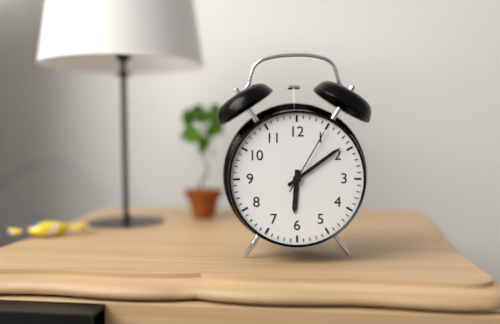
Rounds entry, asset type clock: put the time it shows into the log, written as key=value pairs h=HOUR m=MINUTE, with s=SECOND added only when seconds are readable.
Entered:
h=6 m=9 s=5
